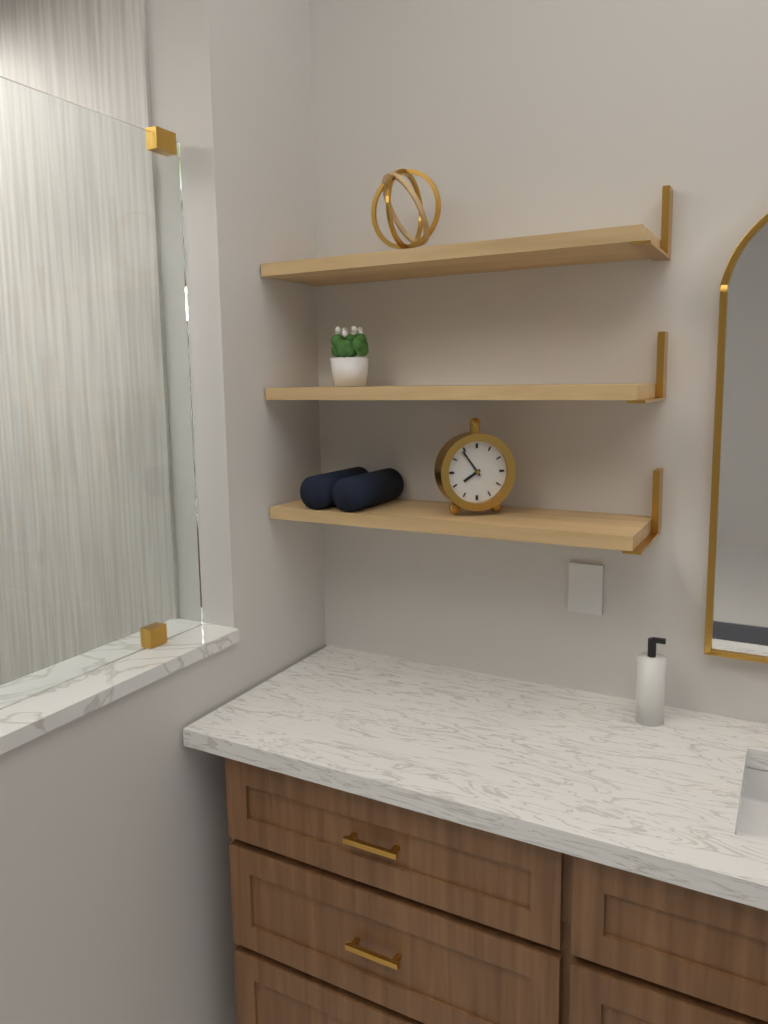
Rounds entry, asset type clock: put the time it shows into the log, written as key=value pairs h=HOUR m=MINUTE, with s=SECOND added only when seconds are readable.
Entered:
h=7 m=54
